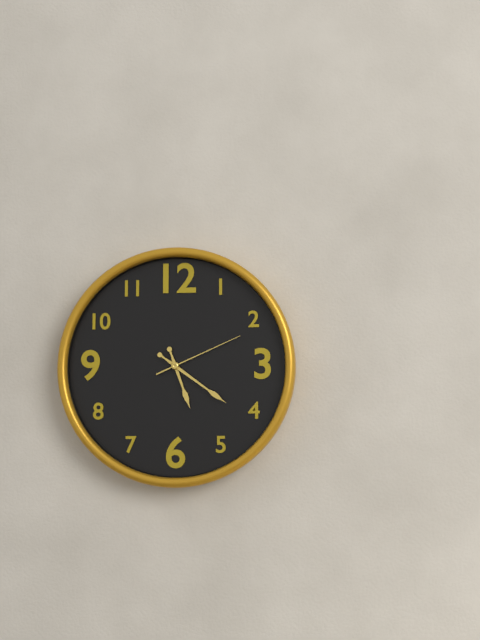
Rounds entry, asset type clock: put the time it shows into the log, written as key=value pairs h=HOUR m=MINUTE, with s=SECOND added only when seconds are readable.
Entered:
h=5 m=21 s=11
